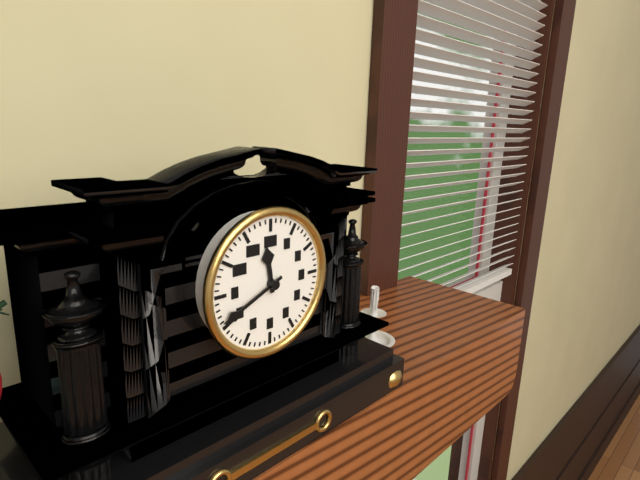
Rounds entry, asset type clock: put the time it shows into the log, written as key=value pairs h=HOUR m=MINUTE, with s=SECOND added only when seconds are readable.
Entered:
h=11 m=41
